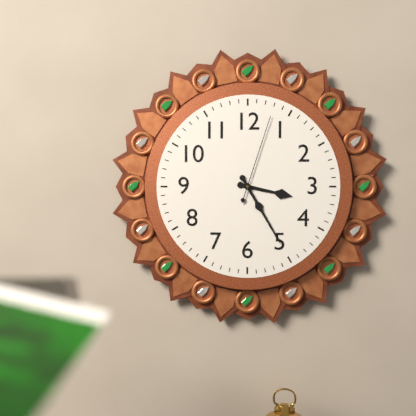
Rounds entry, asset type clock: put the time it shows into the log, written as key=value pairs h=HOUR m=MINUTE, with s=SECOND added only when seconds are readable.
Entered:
h=3 m=25 s=3
